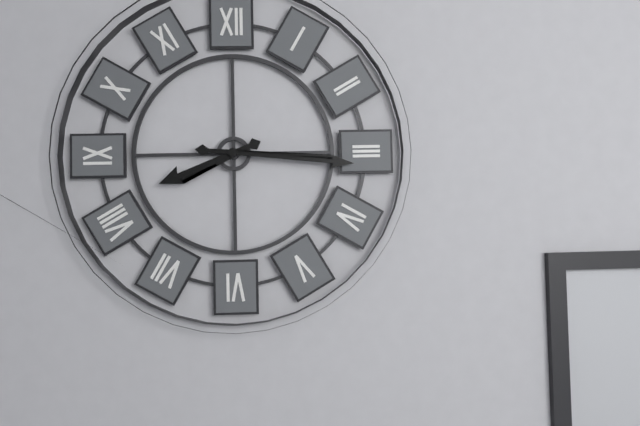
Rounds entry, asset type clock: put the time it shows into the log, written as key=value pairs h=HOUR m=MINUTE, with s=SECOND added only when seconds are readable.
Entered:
h=8 m=16
